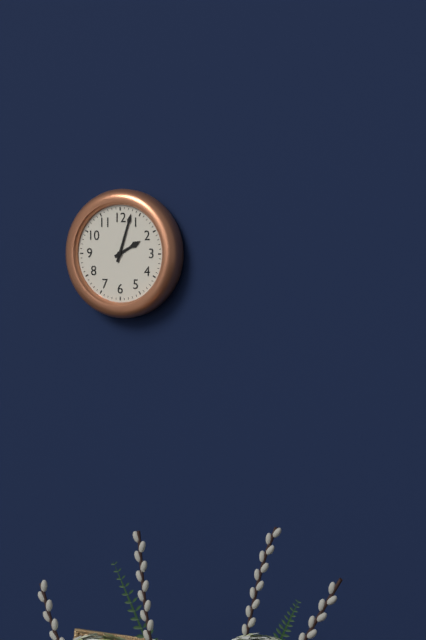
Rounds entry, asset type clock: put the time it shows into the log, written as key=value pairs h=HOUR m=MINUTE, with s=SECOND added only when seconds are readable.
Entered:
h=2 m=3
